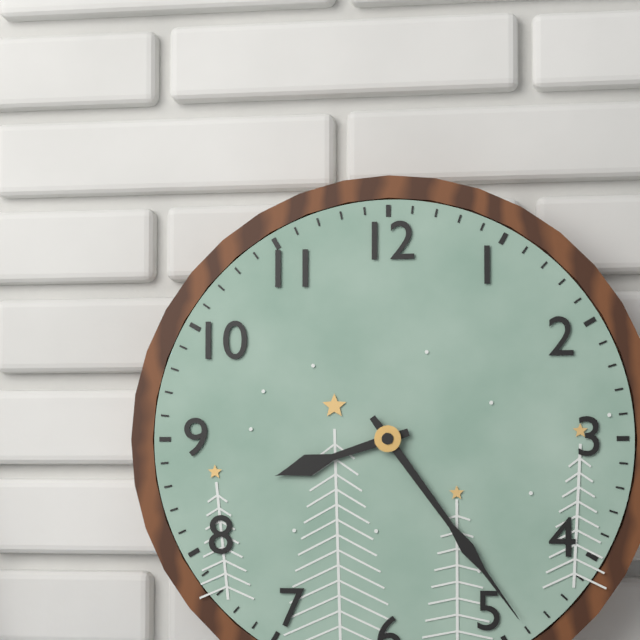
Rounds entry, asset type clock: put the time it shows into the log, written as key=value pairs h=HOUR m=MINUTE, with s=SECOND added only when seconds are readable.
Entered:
h=8 m=24
